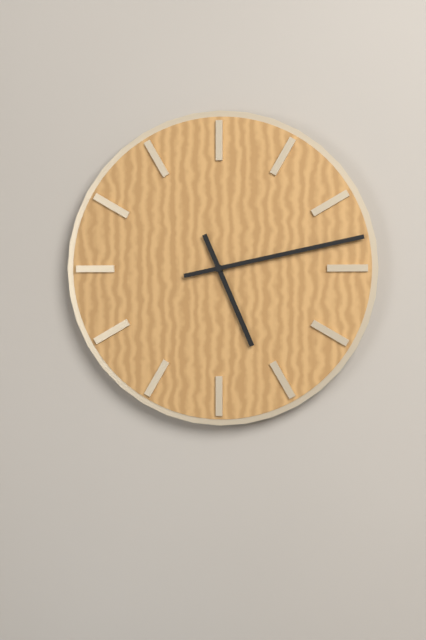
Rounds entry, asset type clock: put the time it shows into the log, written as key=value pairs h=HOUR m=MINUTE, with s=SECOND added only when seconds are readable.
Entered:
h=5 m=13
